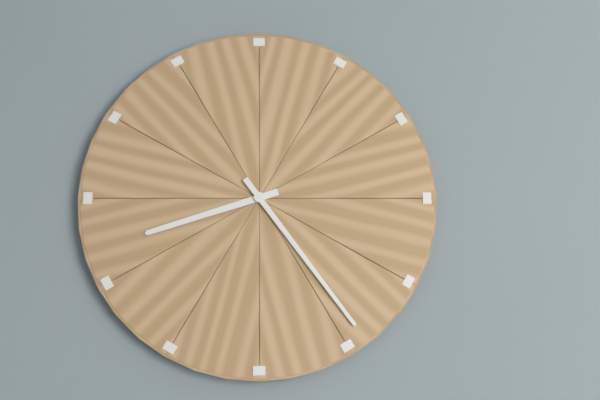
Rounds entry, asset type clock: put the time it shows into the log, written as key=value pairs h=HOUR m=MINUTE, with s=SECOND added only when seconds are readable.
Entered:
h=8 m=24
